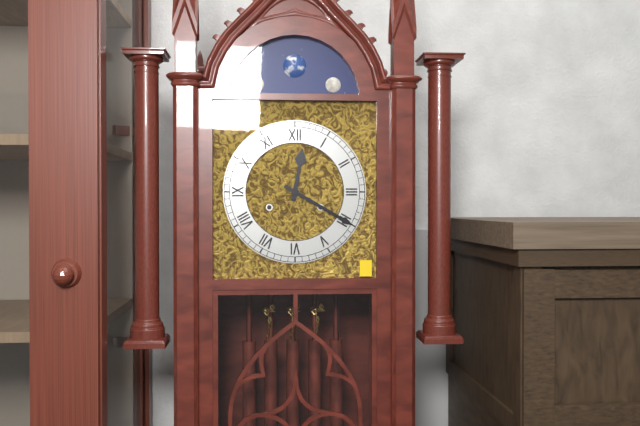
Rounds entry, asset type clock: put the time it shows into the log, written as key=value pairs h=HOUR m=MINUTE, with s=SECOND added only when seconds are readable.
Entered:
h=12 m=20
